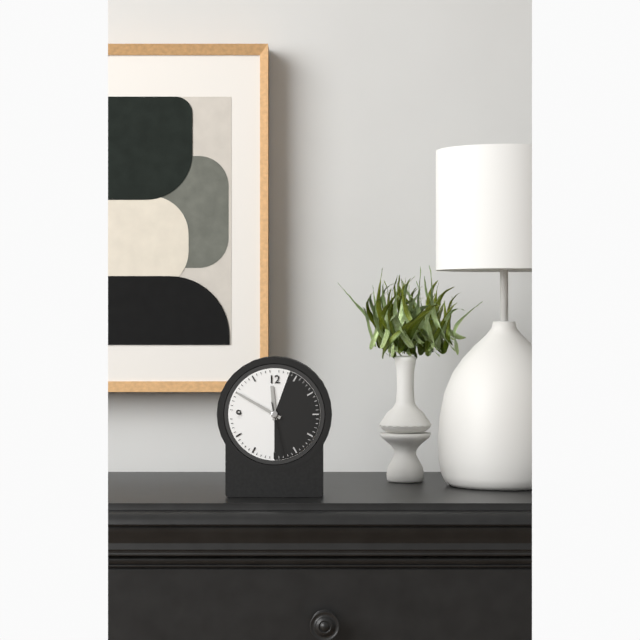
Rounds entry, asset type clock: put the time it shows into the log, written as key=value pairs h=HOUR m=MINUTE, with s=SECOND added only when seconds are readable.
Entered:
h=11 m=50 s=28
